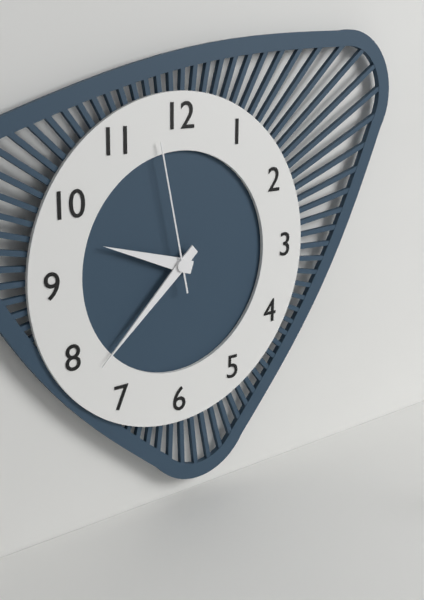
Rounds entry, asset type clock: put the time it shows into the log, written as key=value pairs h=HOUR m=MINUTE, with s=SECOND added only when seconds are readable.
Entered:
h=9 m=38 s=58
